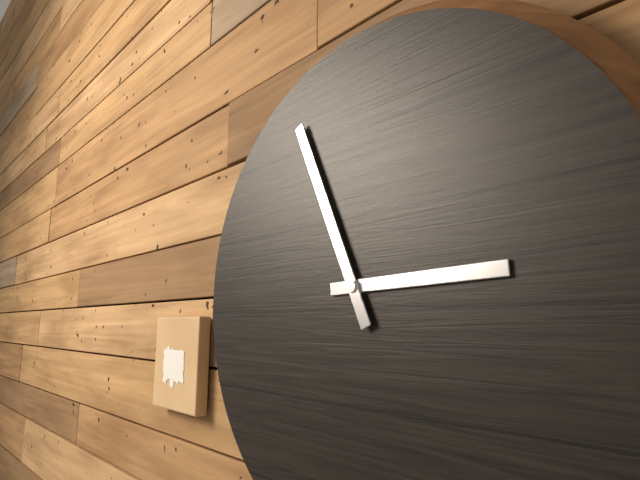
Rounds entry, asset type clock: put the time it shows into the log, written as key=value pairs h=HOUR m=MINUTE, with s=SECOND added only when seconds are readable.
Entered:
h=2 m=56
